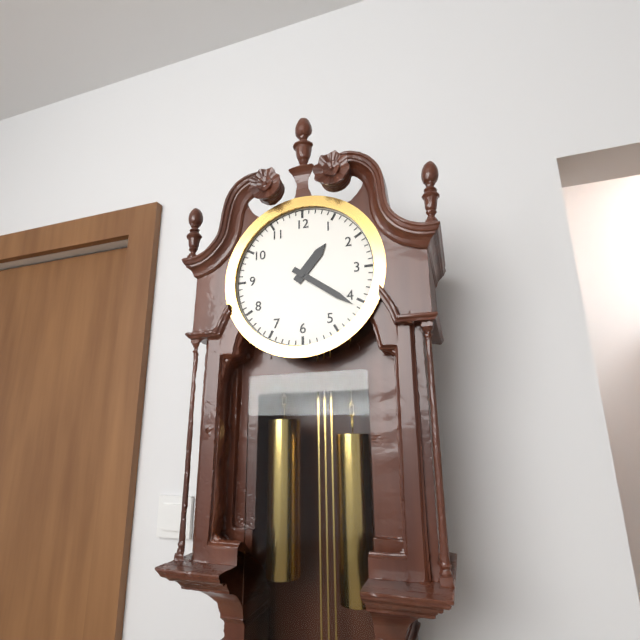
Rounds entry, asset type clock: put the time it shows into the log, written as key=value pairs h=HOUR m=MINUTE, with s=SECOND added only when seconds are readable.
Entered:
h=1 m=21
